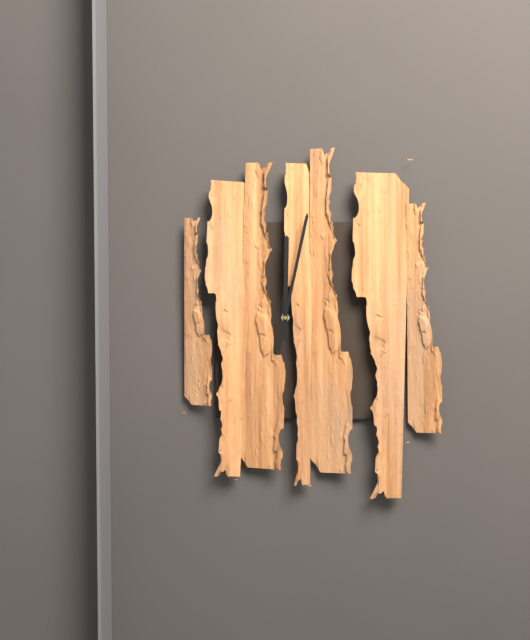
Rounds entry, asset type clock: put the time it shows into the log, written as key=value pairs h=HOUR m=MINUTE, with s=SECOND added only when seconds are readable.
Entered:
h=12 m=2
